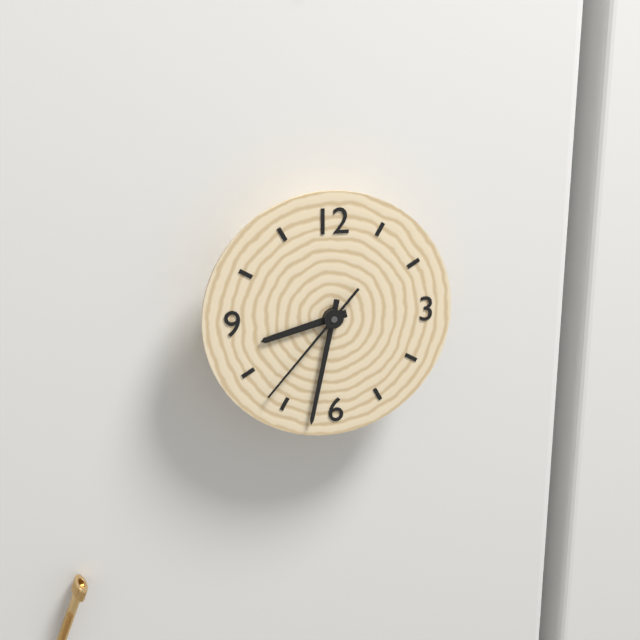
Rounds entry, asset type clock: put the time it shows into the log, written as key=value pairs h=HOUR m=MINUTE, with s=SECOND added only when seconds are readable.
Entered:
h=8 m=32 s=37
